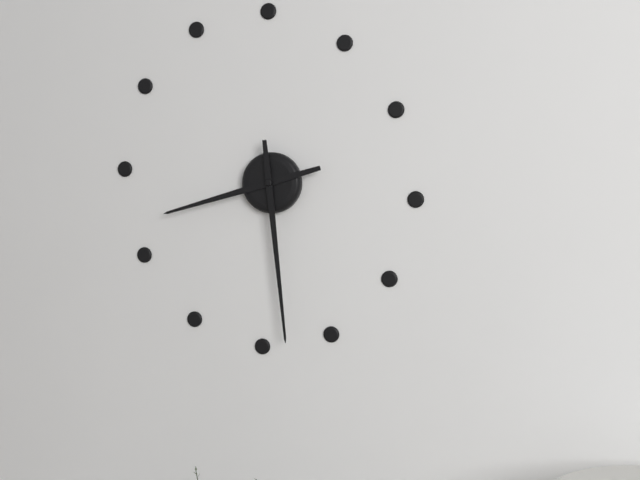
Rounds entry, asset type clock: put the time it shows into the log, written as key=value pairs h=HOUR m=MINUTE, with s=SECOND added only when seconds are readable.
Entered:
h=8 m=29
